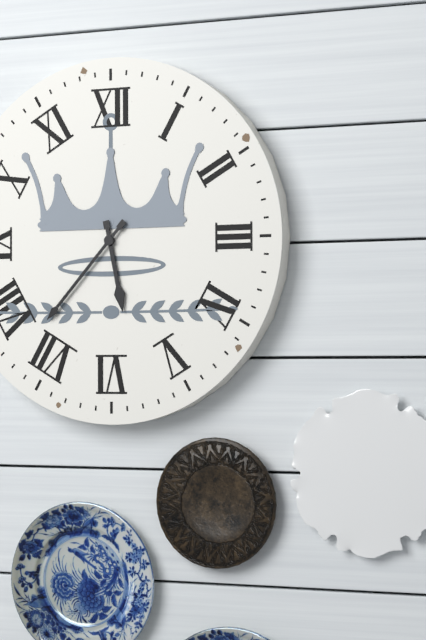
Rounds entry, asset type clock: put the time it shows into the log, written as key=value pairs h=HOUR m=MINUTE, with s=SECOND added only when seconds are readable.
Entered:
h=5 m=37
